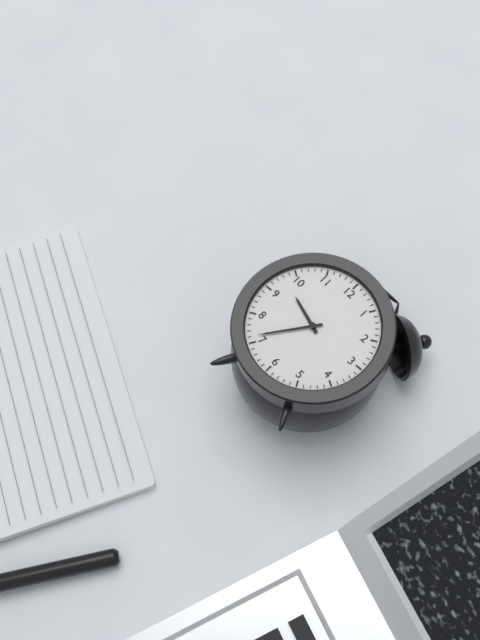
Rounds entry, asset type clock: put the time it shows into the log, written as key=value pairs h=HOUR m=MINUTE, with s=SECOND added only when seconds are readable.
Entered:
h=9 m=36
